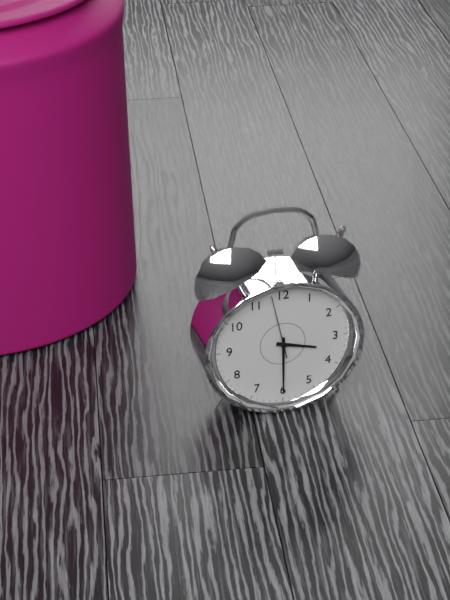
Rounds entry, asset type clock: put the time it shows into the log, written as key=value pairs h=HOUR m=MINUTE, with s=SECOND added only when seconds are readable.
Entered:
h=3 m=30 s=58
